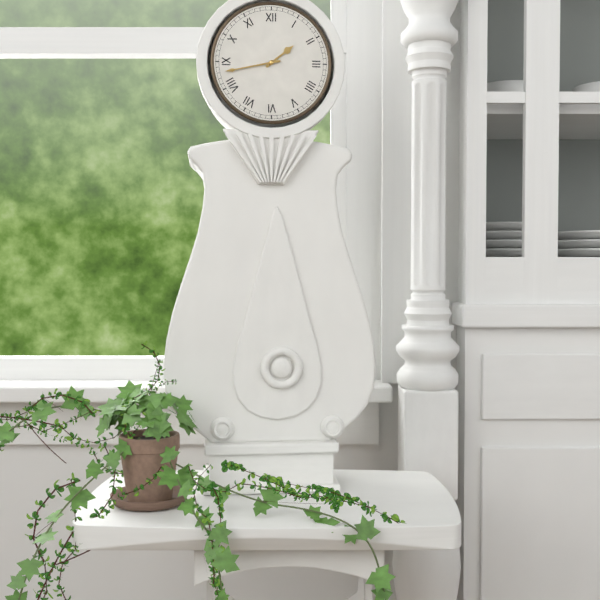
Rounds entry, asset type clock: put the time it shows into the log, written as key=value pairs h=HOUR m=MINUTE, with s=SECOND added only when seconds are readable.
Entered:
h=1 m=43
